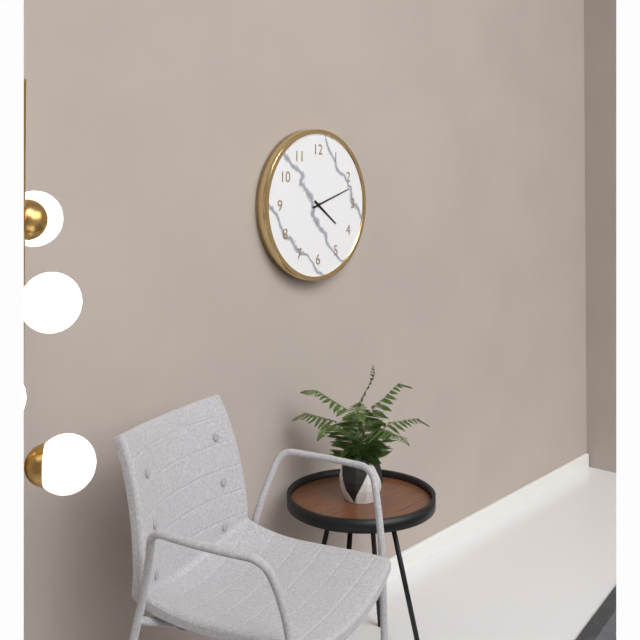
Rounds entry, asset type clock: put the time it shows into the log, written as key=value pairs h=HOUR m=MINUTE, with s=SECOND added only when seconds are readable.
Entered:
h=4 m=12
